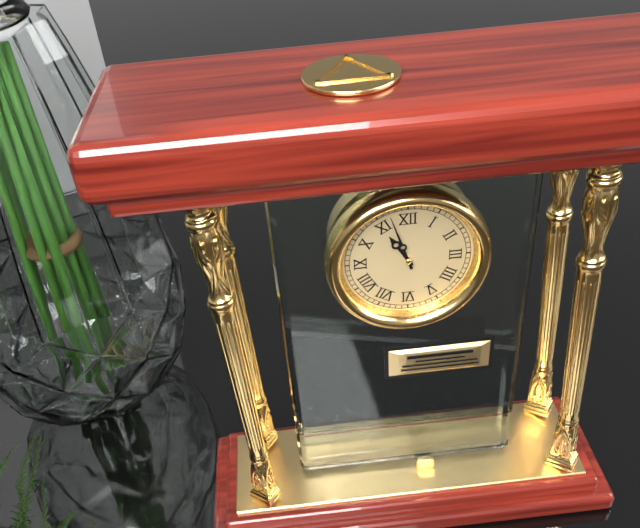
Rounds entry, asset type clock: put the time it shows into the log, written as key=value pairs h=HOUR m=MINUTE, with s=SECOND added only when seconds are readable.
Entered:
h=10 m=57
